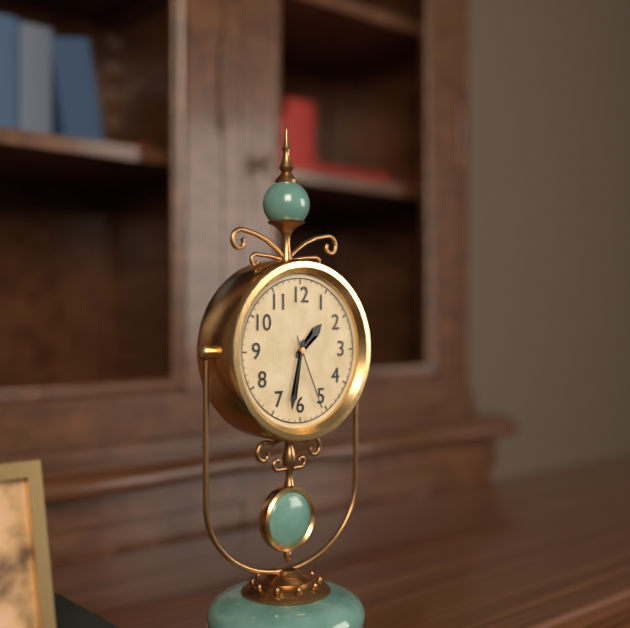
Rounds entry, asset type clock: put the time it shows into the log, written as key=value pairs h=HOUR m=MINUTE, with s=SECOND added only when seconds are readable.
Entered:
h=1 m=32 s=26
